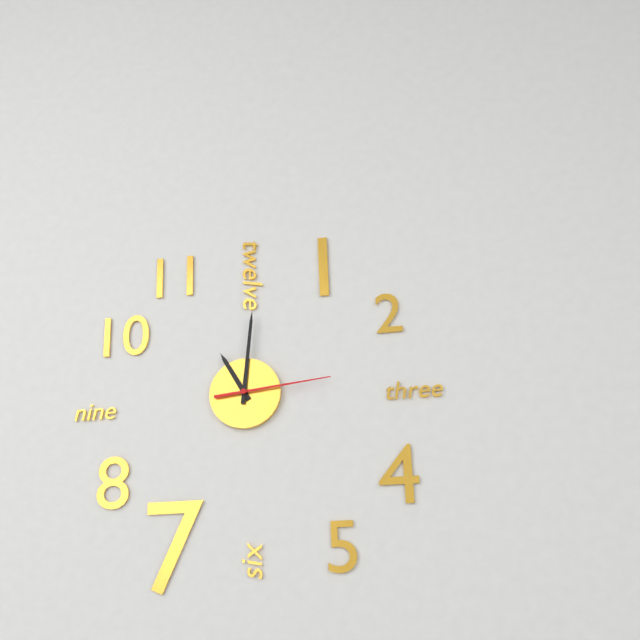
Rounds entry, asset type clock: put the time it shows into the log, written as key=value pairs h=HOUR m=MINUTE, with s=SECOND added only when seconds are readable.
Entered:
h=11 m=1 s=14
